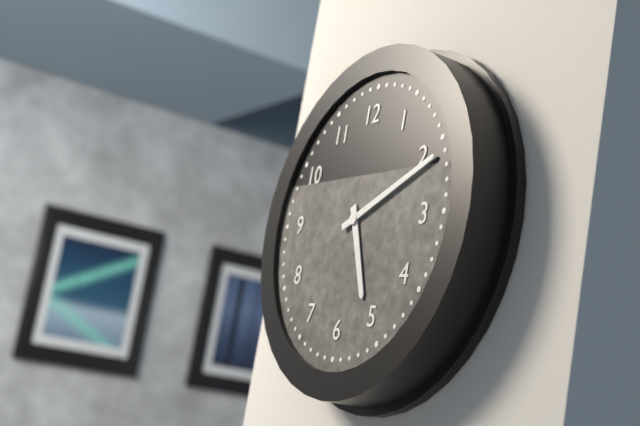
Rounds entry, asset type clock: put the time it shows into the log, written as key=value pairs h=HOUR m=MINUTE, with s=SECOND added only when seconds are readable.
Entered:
h=5 m=11
